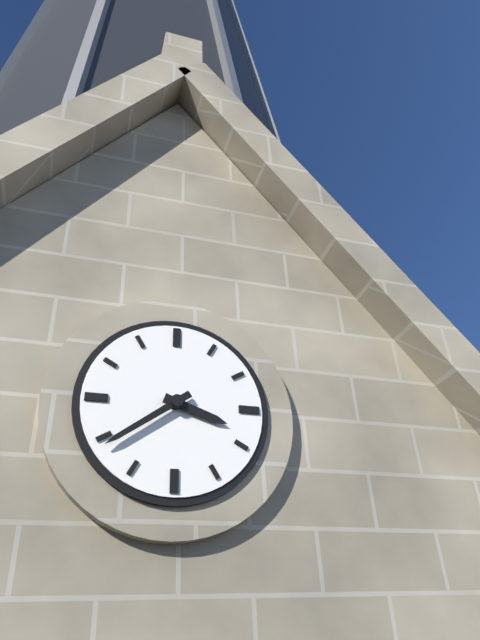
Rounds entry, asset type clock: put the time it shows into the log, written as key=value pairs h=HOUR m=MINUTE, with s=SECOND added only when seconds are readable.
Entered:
h=3 m=39
